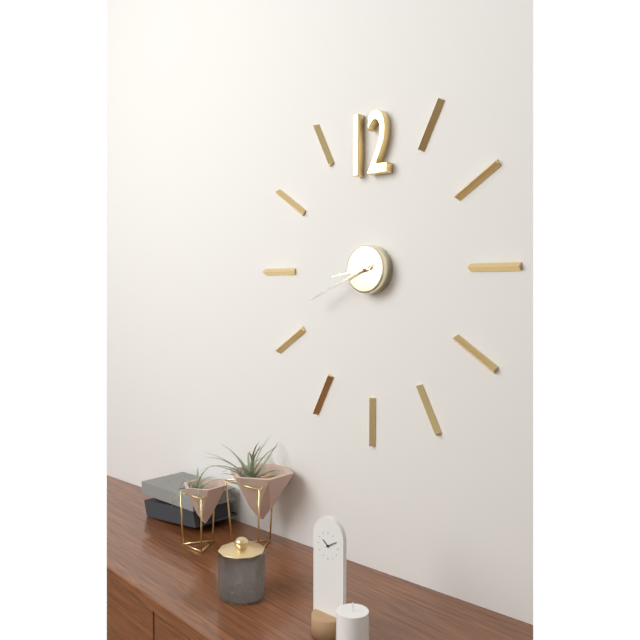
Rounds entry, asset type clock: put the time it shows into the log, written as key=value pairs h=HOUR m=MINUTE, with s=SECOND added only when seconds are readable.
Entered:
h=8 m=41
